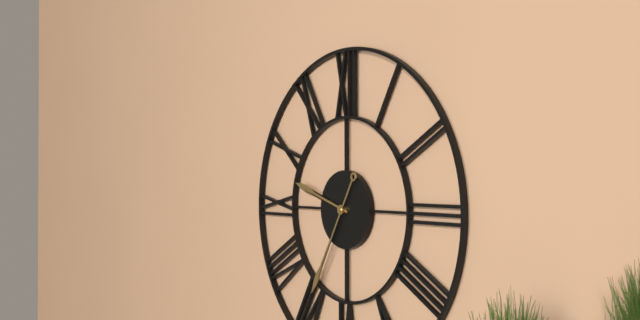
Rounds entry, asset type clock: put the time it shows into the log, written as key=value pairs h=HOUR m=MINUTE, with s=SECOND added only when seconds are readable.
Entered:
h=9 m=35
